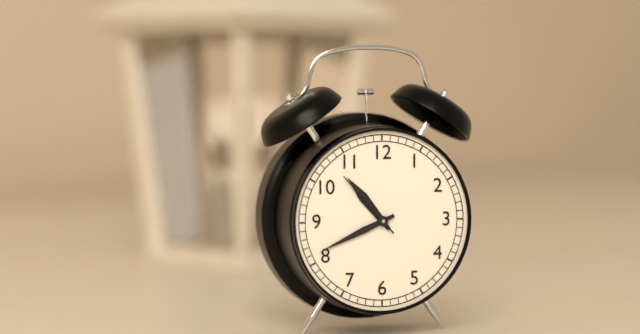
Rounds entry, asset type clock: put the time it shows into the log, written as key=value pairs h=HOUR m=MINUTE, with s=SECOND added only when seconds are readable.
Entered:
h=10 m=41 s=53
